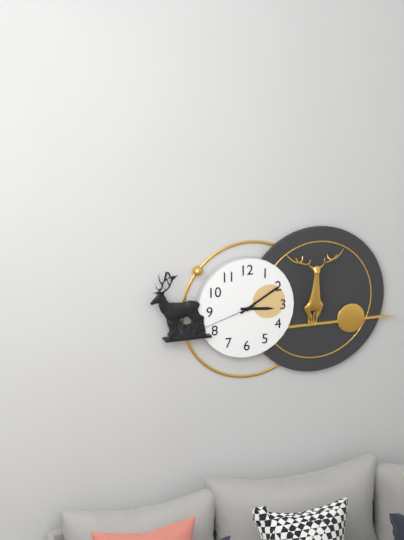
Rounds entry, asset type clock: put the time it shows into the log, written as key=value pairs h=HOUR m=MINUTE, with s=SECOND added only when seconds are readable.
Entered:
h=3 m=10 s=42
